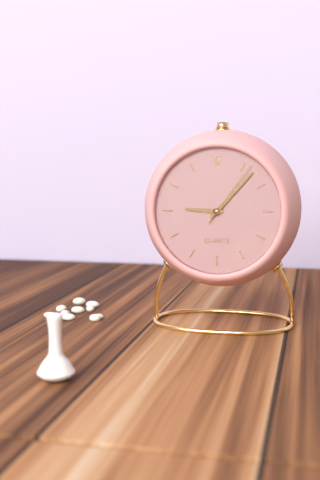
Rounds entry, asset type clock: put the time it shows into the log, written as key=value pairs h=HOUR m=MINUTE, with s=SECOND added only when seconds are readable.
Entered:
h=9 m=7 s=6
